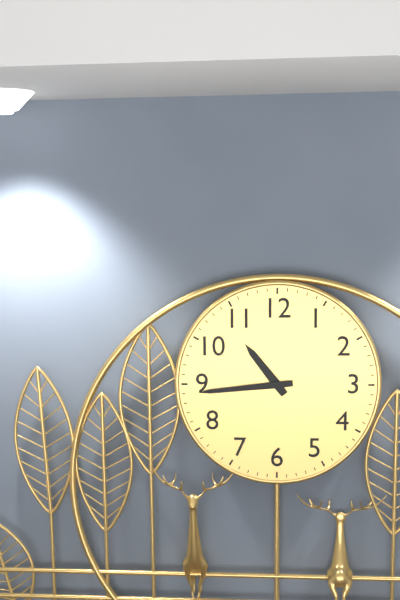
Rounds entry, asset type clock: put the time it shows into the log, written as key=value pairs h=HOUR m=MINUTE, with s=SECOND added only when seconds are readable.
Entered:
h=10 m=44
